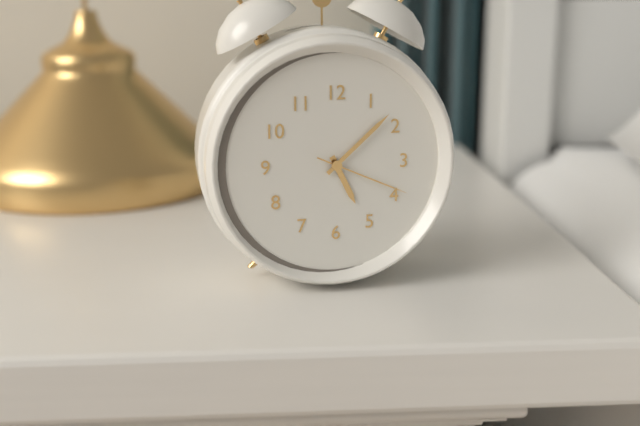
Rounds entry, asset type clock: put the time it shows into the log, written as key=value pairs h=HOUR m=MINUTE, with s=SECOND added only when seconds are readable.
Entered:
h=5 m=8 s=19
